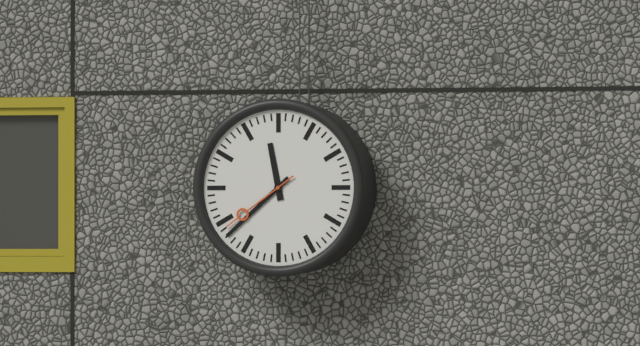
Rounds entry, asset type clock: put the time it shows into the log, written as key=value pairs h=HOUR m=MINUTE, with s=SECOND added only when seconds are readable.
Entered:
h=11 m=38 s=39
